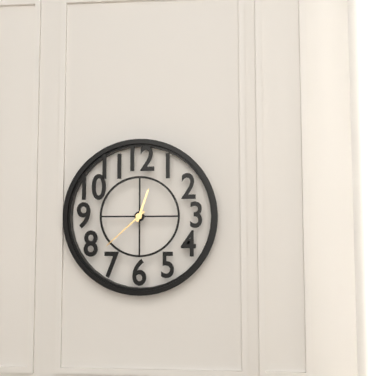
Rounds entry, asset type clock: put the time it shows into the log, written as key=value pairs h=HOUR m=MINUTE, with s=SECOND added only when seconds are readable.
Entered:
h=12 m=38
